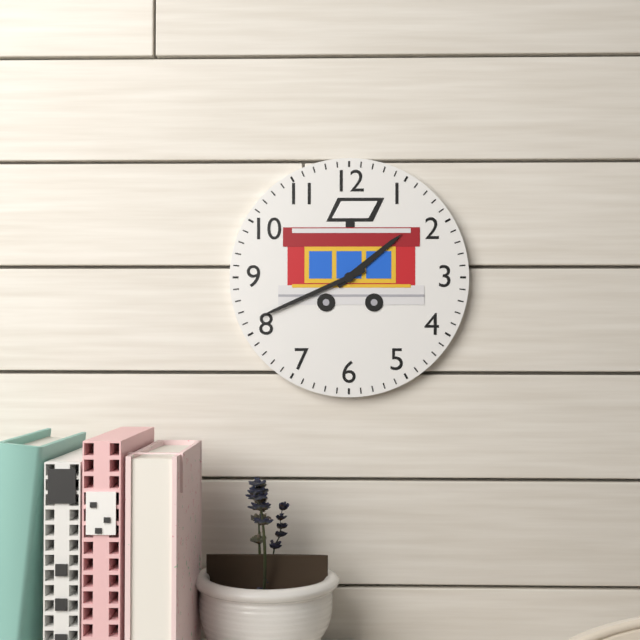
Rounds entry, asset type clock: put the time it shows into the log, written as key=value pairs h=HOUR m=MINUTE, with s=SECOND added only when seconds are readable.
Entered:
h=1 m=41
